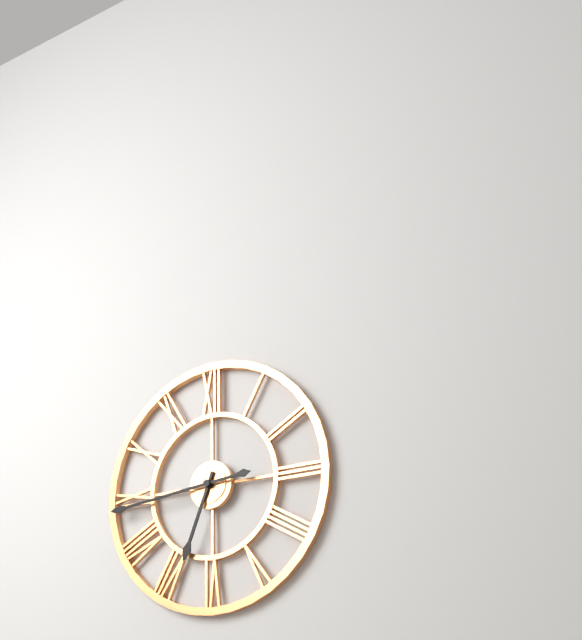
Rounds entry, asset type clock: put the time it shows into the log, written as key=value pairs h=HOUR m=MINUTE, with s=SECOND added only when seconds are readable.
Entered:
h=6 m=44
